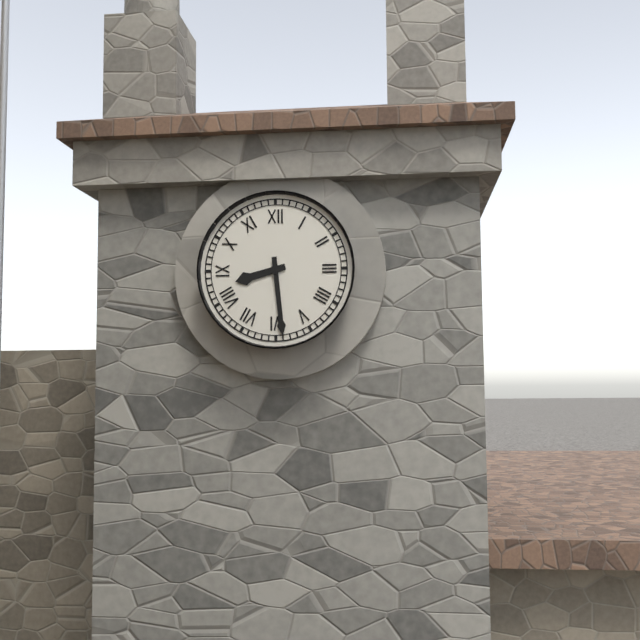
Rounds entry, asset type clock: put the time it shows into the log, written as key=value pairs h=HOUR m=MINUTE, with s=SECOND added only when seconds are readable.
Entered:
h=8 m=29
